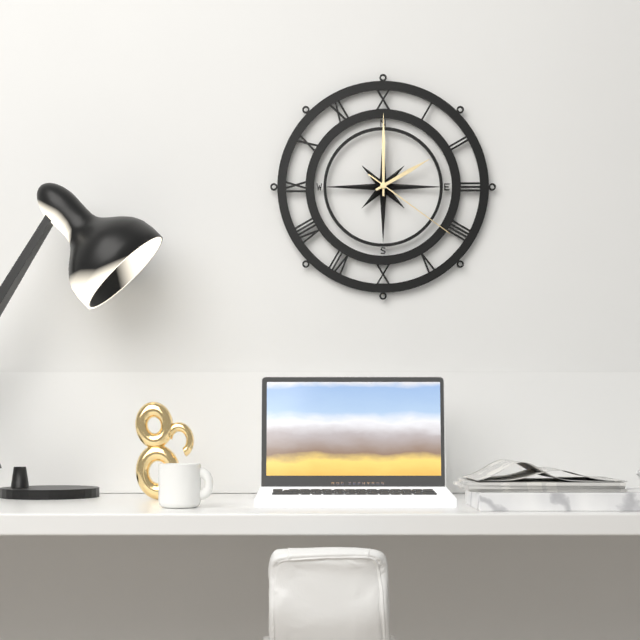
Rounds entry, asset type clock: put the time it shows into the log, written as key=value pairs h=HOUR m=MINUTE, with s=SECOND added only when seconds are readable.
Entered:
h=2 m=0 s=21
